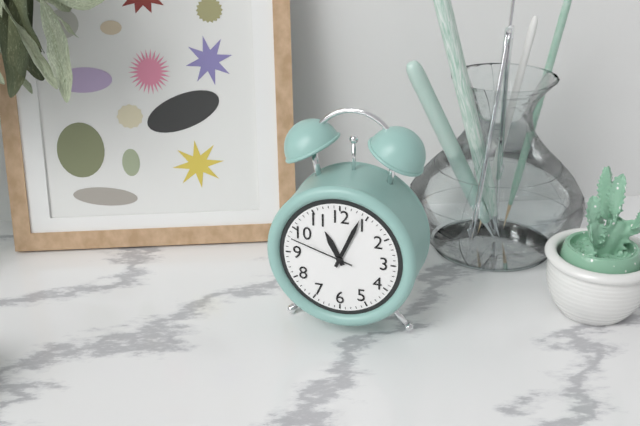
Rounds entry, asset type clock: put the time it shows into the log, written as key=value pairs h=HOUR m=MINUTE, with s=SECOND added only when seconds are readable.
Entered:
h=11 m=4 s=48
